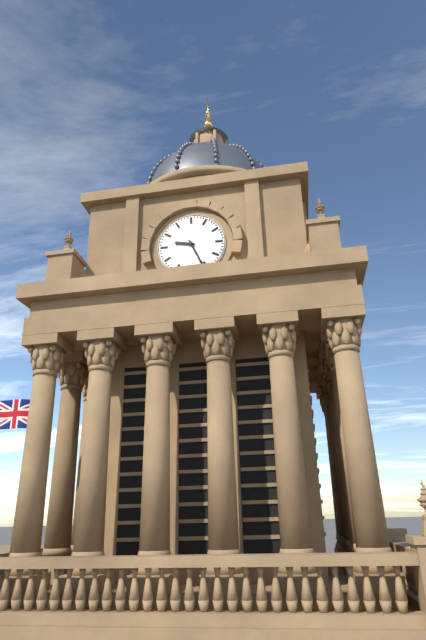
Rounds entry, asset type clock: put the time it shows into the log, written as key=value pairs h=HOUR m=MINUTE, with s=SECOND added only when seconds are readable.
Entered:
h=9 m=26
